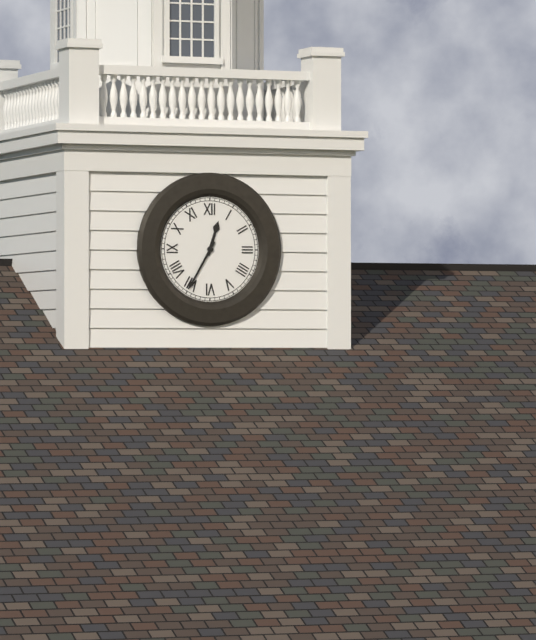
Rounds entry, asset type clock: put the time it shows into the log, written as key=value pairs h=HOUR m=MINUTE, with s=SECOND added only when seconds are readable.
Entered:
h=12 m=35
